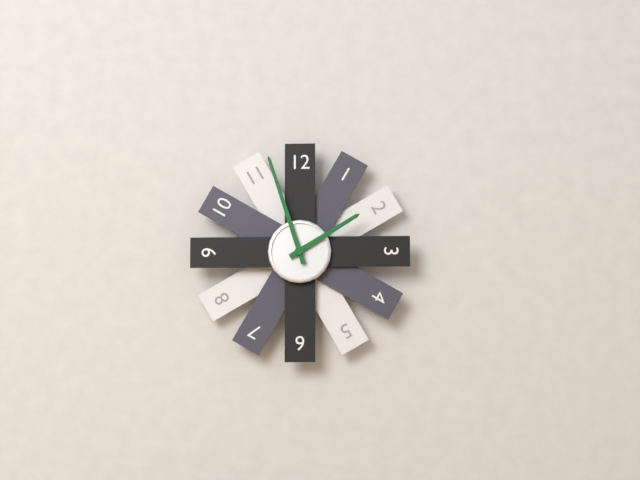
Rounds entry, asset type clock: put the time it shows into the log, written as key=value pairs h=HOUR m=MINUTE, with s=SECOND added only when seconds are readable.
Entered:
h=1 m=57
